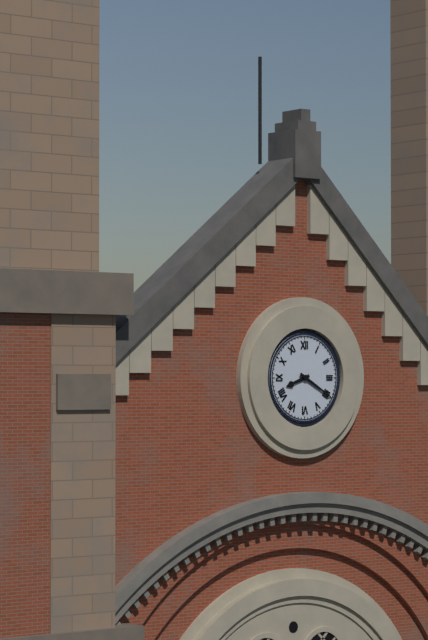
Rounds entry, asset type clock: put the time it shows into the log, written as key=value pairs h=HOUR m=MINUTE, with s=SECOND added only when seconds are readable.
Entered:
h=8 m=20
